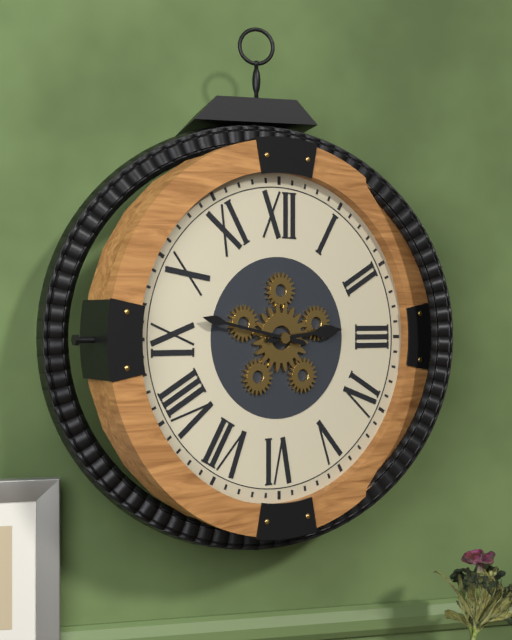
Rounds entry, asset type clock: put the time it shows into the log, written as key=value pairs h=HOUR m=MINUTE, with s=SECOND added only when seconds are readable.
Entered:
h=2 m=47
